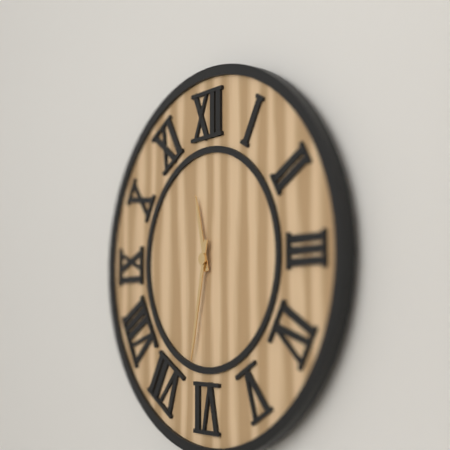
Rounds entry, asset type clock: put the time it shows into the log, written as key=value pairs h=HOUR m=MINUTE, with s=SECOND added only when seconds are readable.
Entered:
h=11 m=32
